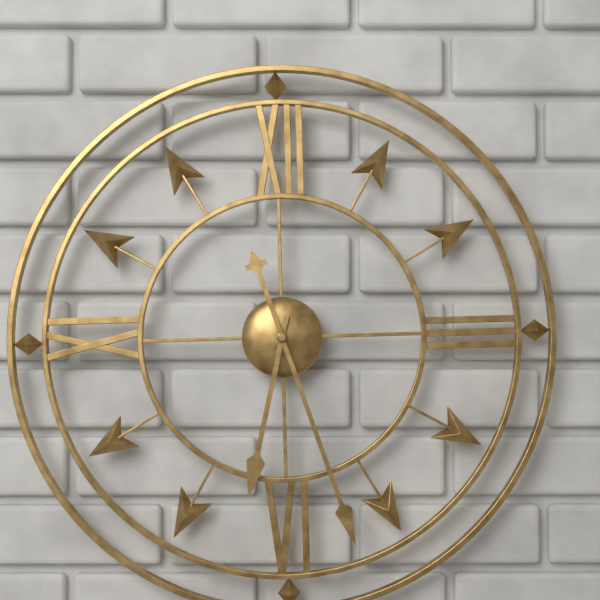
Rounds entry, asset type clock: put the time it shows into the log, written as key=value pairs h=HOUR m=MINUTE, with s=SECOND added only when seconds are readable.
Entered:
h=6 m=27
